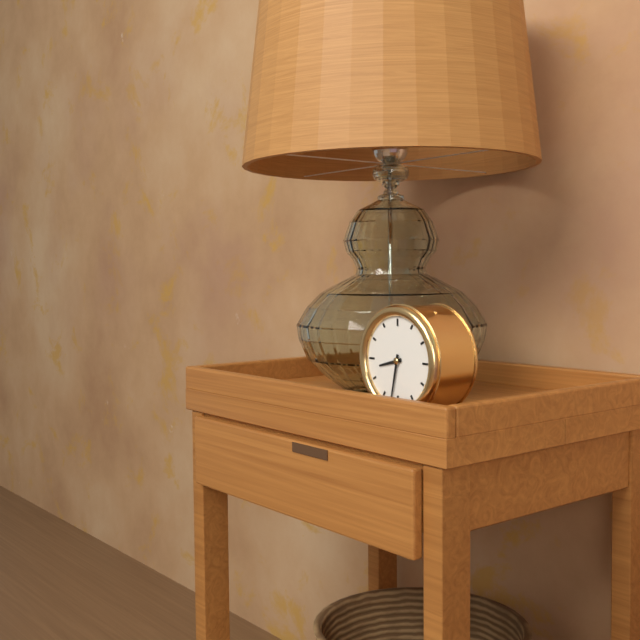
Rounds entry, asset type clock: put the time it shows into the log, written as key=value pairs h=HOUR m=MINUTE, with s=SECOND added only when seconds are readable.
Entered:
h=8 m=32
